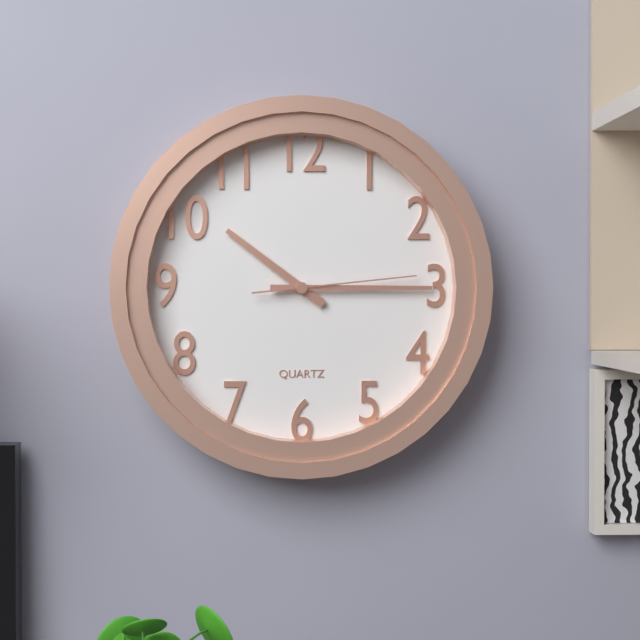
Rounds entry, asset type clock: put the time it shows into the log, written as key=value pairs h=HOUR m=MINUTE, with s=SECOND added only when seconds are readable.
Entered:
h=10 m=15 s=14
